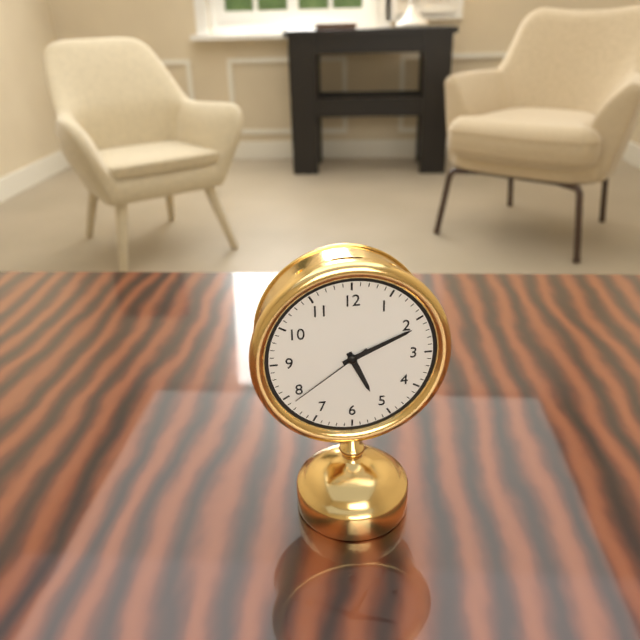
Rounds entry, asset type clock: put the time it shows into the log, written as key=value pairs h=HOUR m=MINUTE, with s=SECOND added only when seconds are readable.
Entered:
h=5 m=11 s=39
